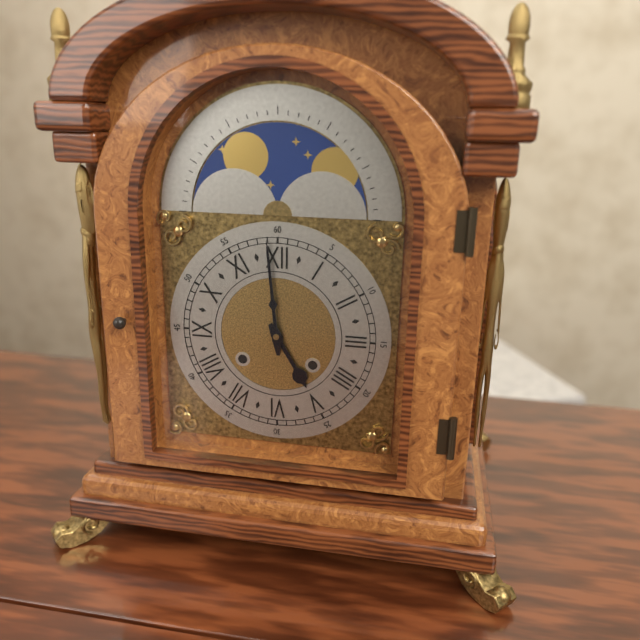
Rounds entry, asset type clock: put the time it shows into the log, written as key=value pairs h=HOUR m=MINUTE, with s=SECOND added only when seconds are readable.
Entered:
h=4 m=59
